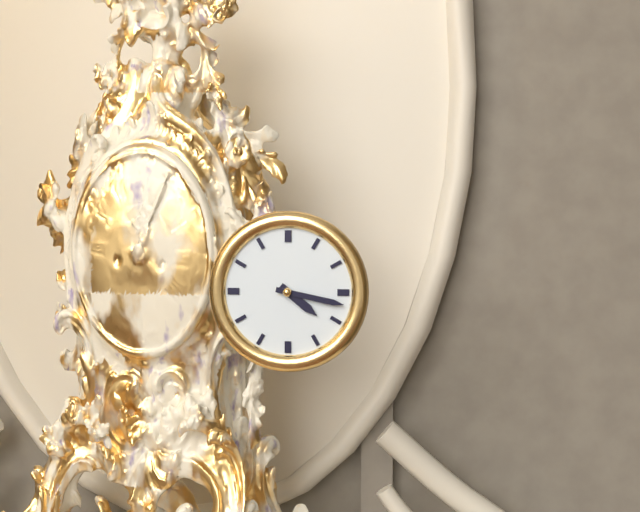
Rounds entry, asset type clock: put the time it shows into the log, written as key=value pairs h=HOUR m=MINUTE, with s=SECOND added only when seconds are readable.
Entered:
h=4 m=17
